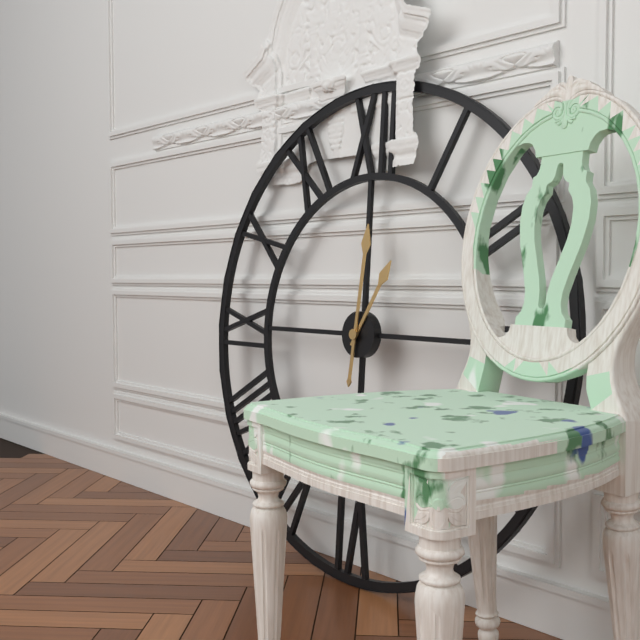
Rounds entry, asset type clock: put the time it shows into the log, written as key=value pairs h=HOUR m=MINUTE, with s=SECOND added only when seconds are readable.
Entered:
h=1 m=1
